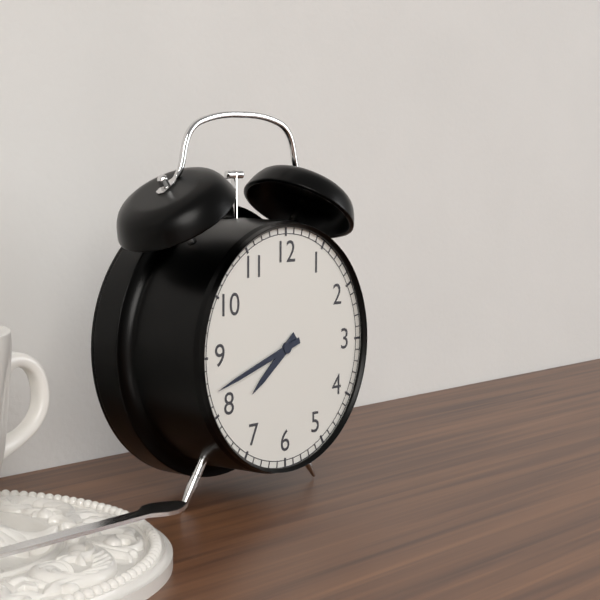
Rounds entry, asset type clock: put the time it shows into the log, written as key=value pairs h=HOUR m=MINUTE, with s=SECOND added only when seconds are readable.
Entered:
h=7 m=42
